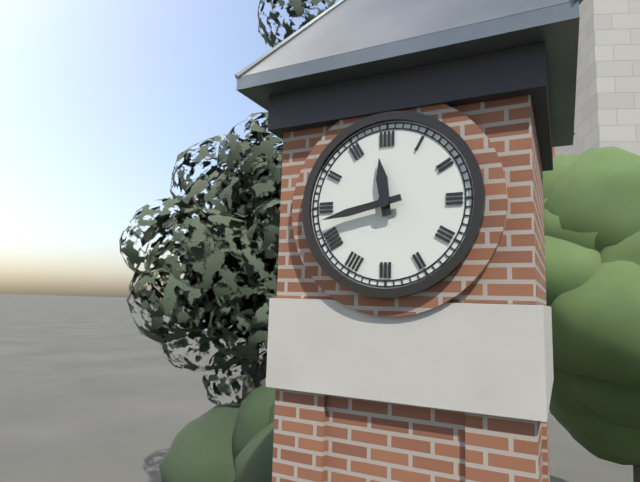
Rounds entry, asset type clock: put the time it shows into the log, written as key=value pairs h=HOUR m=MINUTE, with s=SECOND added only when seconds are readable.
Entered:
h=11 m=43
